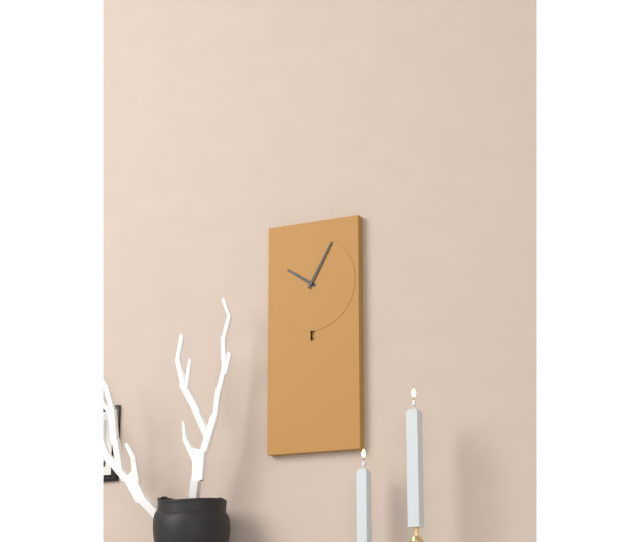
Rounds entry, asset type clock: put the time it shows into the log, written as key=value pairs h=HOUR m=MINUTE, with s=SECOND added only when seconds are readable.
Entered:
h=10 m=5
